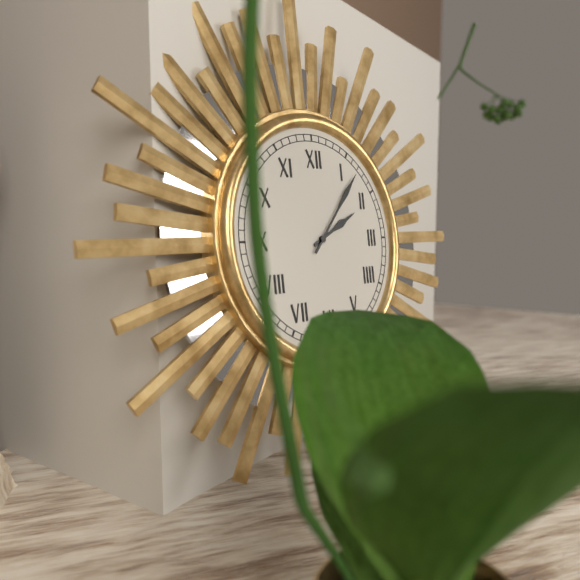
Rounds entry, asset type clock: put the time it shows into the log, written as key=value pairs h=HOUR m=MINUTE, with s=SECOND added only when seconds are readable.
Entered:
h=2 m=7
